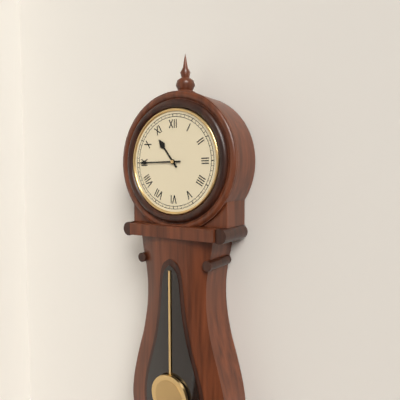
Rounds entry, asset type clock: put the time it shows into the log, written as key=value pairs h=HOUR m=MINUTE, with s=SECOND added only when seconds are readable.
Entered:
h=10 m=45
